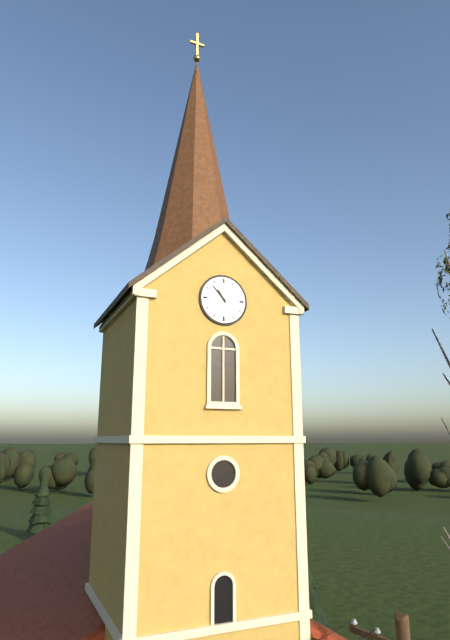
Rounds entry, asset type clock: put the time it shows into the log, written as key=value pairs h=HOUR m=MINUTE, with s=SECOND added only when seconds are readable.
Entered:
h=10 m=53
